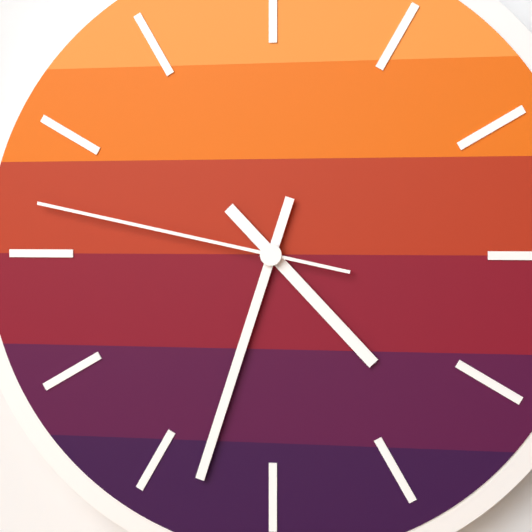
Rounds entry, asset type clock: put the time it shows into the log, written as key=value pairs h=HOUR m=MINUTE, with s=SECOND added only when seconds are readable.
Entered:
h=4 m=33 s=47
